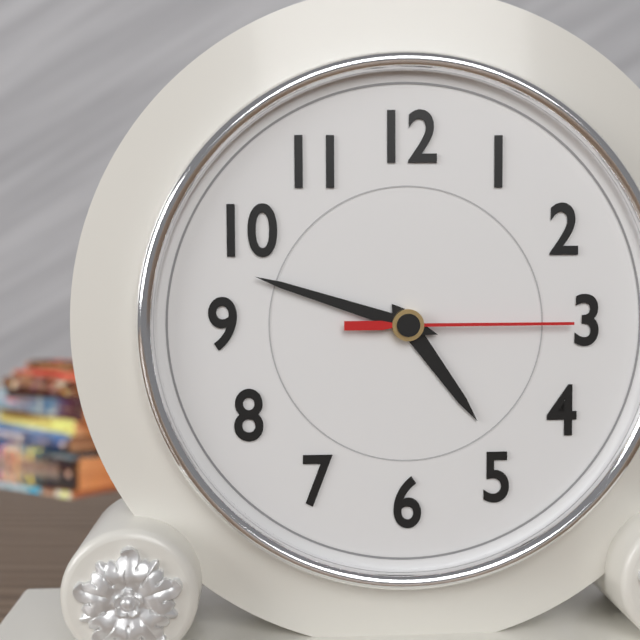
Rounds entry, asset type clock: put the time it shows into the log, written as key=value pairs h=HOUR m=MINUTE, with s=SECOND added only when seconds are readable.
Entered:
h=4 m=48 s=15
